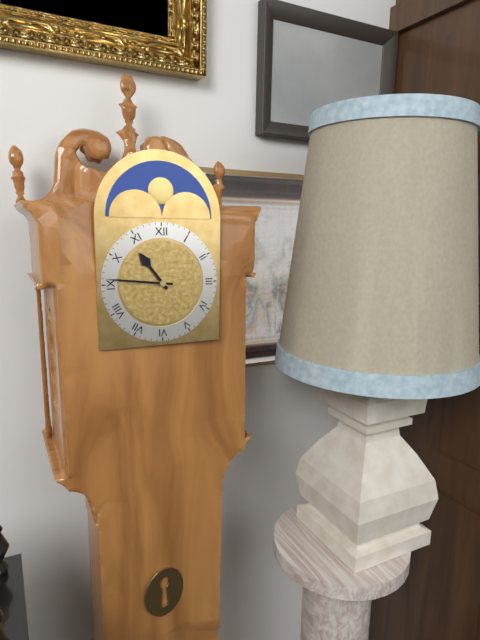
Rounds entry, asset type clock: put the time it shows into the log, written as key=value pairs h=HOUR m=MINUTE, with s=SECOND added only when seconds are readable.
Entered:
h=10 m=46
